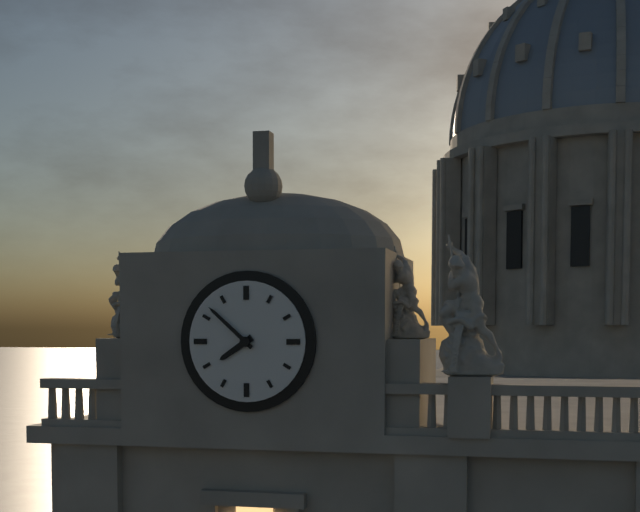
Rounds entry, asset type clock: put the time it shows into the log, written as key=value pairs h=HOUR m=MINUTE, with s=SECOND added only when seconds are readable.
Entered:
h=7 m=52
